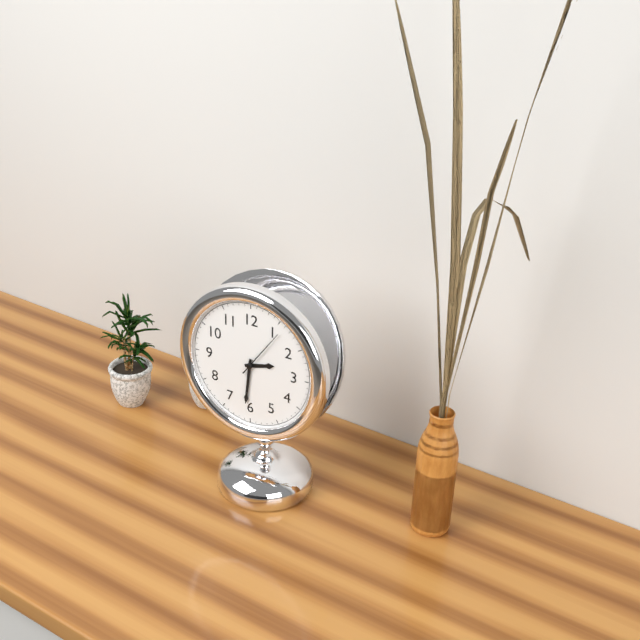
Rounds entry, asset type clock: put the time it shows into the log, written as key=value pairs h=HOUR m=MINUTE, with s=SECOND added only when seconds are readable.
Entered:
h=2 m=31 s=6
